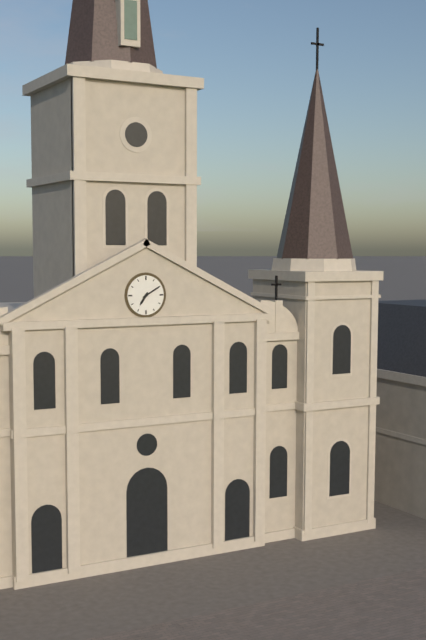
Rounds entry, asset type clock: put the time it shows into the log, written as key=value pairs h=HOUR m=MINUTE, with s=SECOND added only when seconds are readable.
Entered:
h=7 m=10
